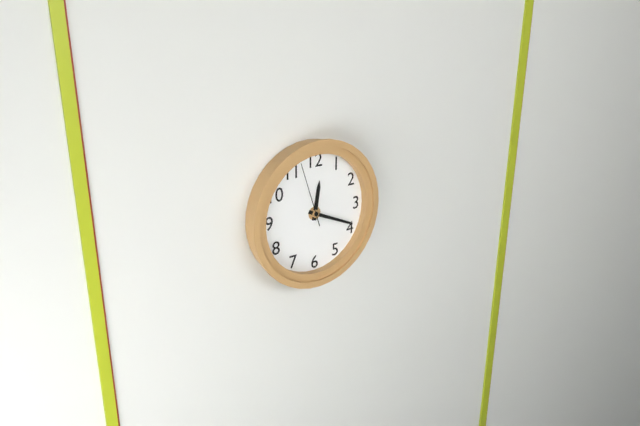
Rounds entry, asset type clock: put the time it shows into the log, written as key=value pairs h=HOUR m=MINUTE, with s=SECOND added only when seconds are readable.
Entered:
h=12 m=19 s=57
